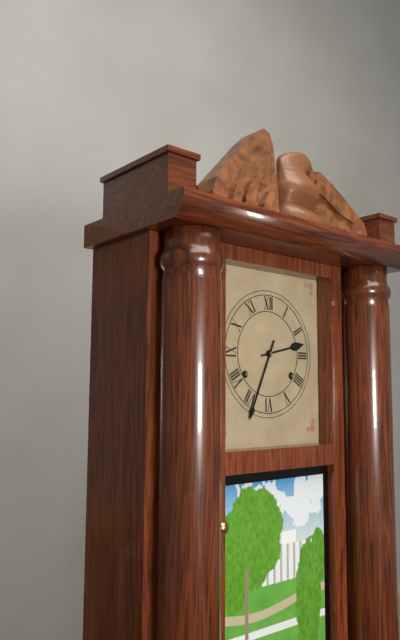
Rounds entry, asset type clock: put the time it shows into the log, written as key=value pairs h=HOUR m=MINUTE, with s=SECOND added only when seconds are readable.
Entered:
h=2 m=34
